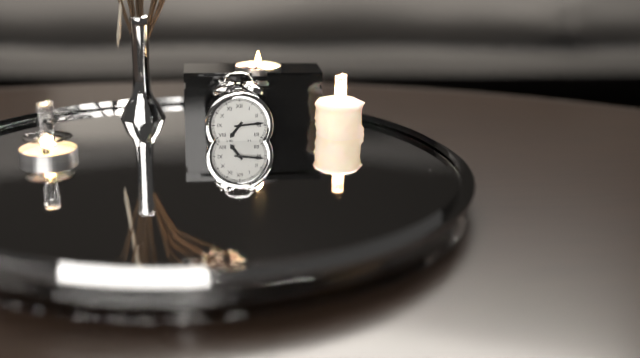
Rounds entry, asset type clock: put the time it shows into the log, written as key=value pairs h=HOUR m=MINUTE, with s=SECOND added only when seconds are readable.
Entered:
h=7 m=14
